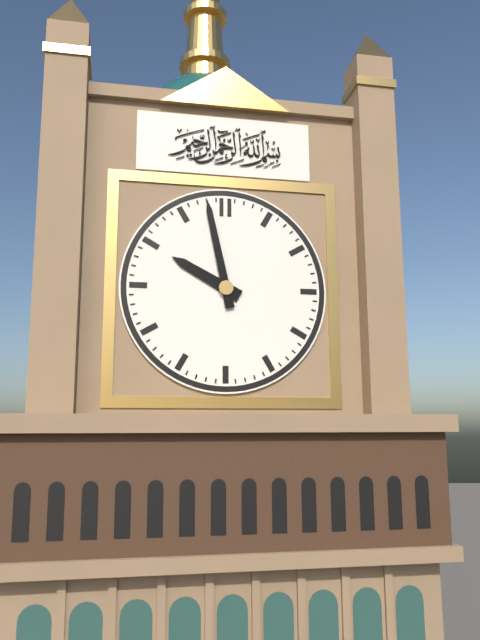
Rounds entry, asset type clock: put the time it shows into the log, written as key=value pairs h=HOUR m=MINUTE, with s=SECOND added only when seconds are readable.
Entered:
h=9 m=58
